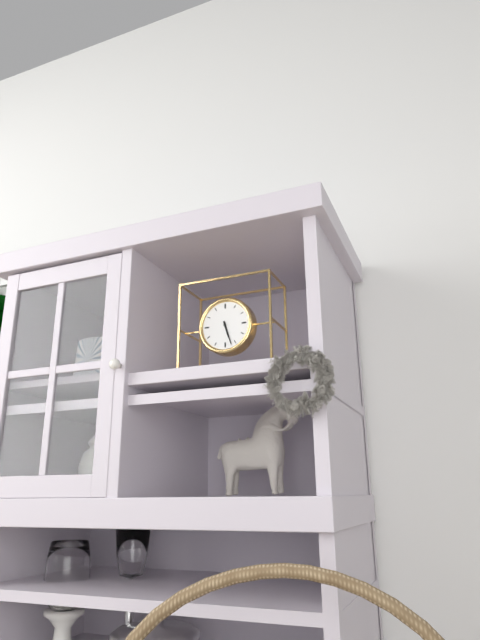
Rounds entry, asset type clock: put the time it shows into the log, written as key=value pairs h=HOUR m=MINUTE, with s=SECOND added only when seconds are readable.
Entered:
h=5 m=27
